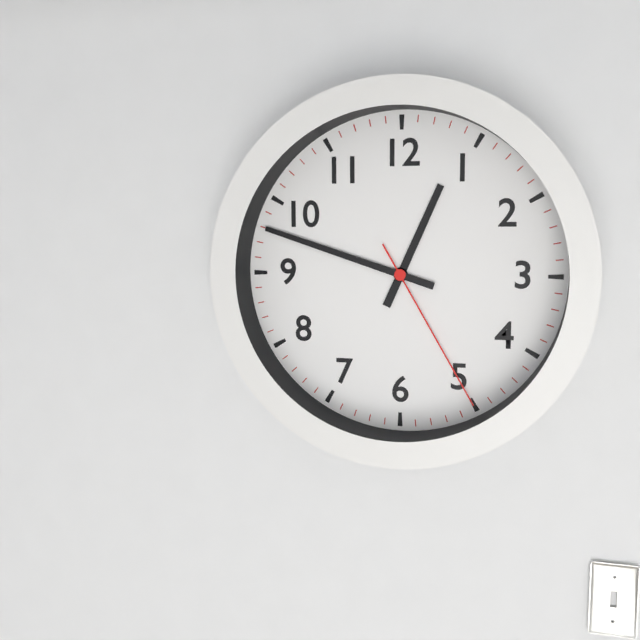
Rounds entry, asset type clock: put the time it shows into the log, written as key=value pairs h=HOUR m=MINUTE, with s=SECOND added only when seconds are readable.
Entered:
h=12 m=48 s=25
